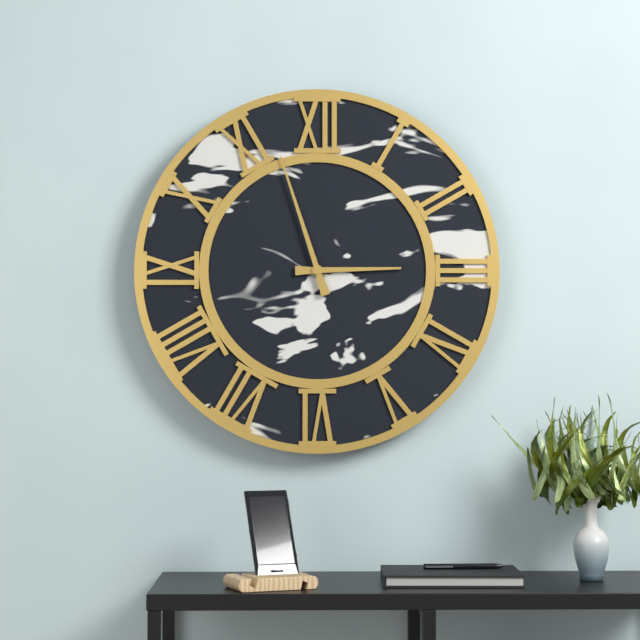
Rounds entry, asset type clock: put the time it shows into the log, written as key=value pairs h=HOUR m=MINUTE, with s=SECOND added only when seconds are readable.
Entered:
h=2 m=57
